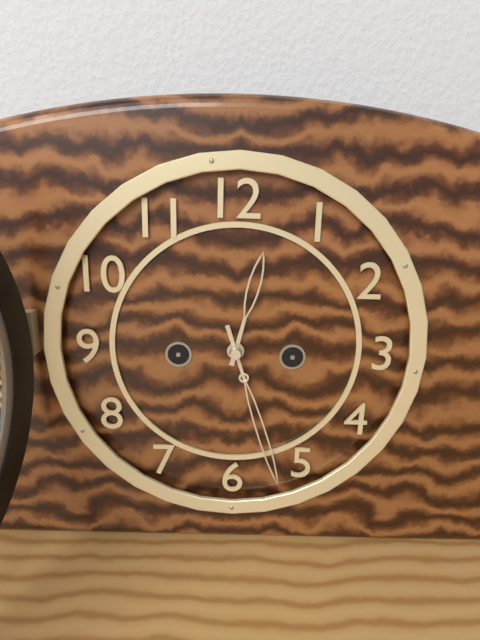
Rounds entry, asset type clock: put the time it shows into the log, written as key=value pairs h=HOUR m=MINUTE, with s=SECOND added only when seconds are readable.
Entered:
h=12 m=27
